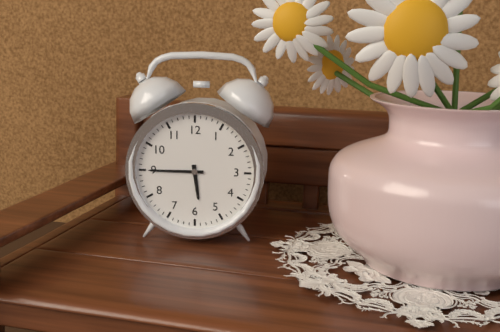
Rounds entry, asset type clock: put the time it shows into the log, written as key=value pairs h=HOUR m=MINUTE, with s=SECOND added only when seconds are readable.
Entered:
h=5 m=45
